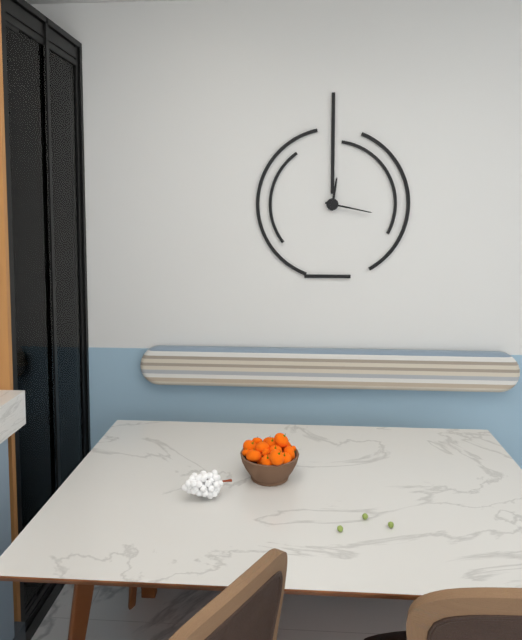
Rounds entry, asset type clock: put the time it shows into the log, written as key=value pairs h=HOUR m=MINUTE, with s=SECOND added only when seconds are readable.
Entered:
h=12 m=17
